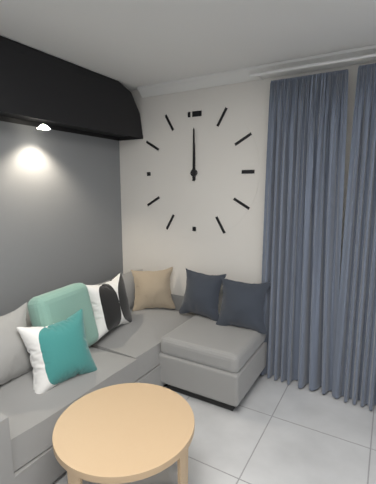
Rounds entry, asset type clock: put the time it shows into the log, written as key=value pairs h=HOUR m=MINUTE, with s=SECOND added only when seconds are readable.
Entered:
h=12 m=0
